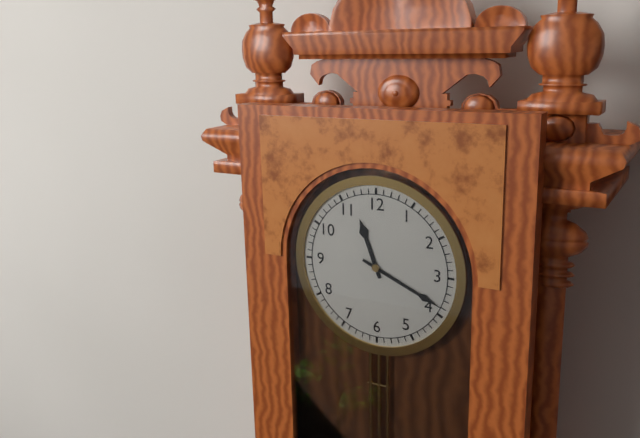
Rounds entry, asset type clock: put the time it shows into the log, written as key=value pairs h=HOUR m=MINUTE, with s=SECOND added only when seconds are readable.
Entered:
h=11 m=19
